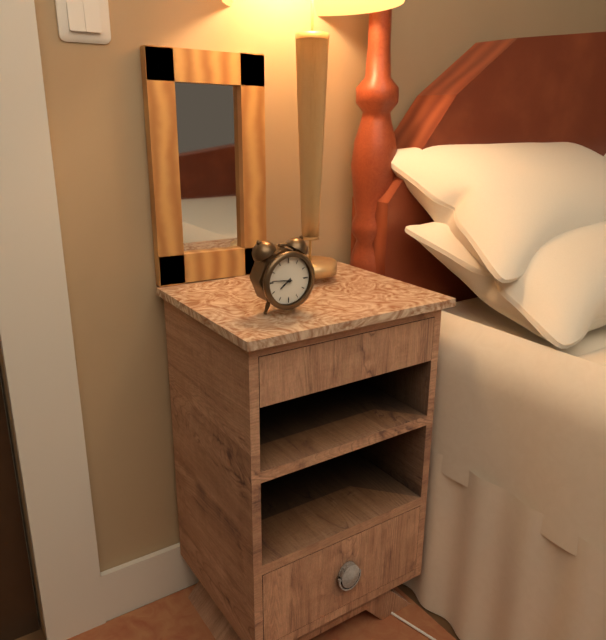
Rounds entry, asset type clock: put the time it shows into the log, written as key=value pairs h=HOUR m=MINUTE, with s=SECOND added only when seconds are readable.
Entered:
h=7 m=46
